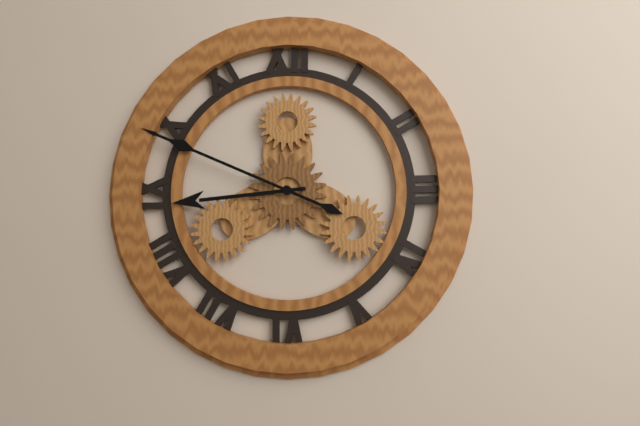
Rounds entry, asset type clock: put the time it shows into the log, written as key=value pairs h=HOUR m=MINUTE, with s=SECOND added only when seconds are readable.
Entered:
h=8 m=49
